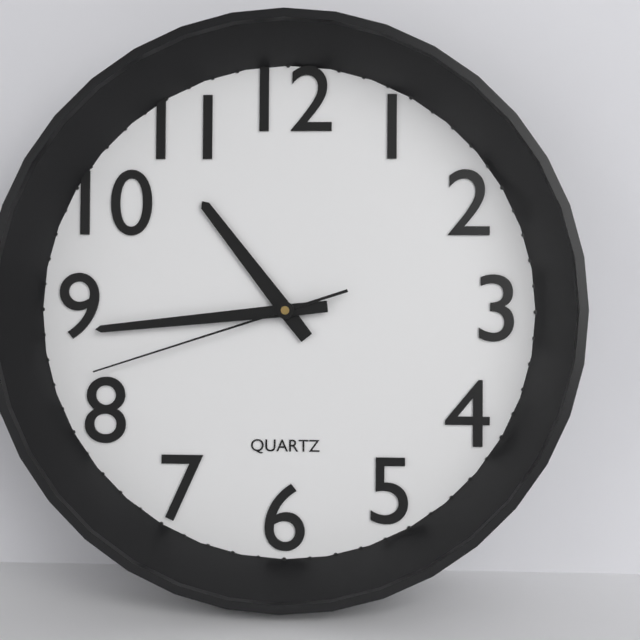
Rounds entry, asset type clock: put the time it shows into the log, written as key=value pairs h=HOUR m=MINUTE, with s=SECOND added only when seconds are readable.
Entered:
h=10 m=44 s=42
